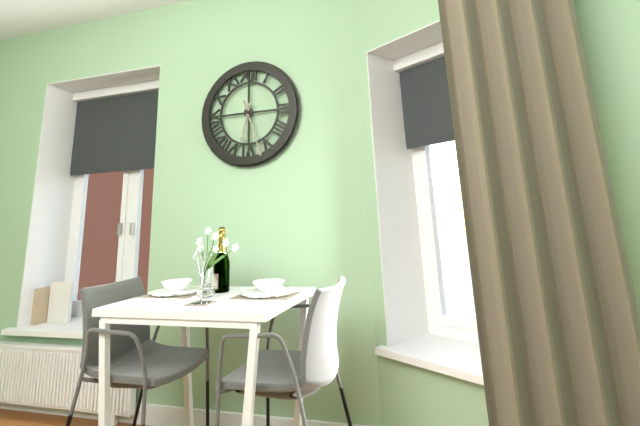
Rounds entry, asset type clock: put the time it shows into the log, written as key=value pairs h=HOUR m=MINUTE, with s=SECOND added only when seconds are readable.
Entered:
h=6 m=27
